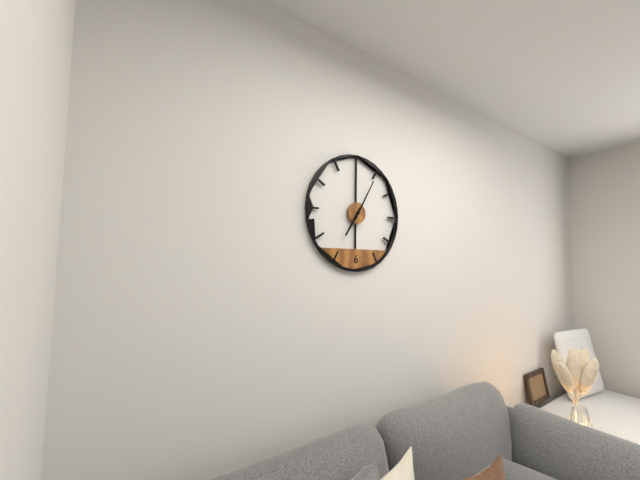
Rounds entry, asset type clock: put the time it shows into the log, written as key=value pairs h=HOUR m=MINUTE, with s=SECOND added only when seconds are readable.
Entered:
h=7 m=5
